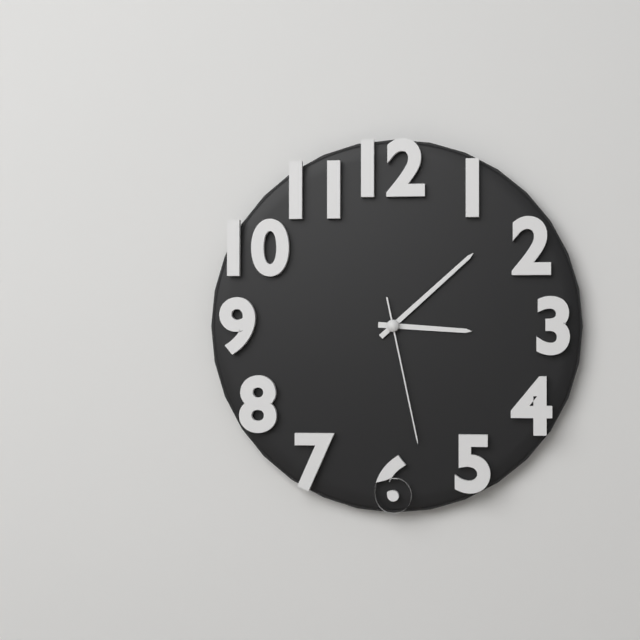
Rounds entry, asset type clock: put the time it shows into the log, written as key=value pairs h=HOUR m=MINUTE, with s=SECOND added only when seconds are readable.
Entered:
h=3 m=8 s=28
